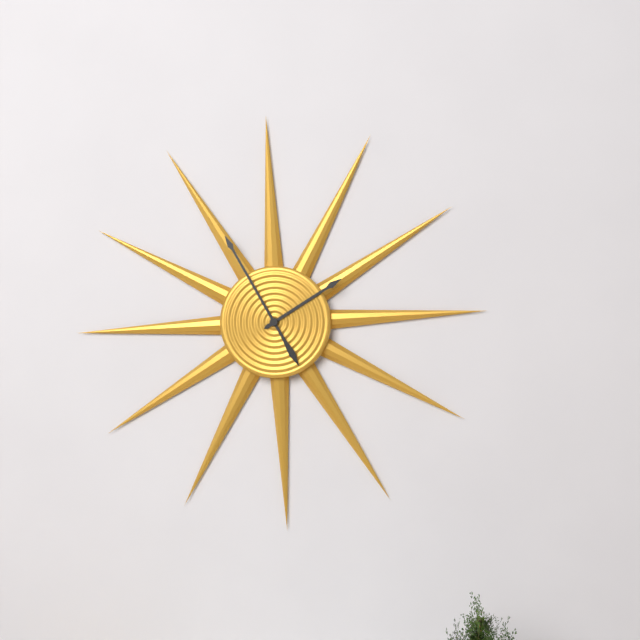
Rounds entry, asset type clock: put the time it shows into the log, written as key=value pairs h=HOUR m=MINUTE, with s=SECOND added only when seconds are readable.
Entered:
h=1 m=55
